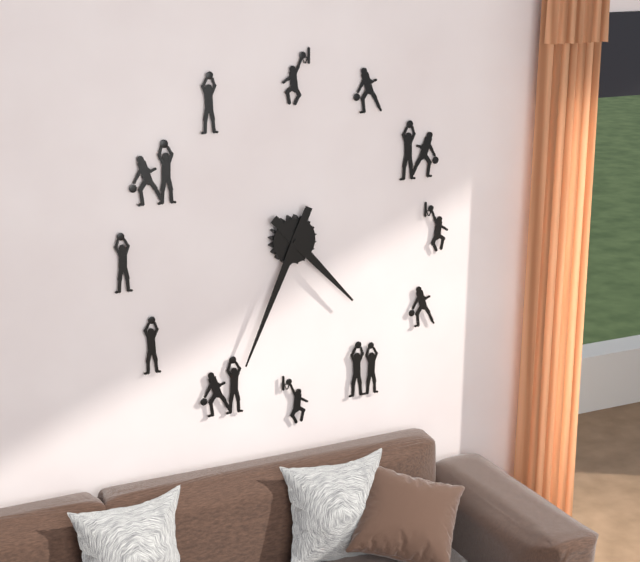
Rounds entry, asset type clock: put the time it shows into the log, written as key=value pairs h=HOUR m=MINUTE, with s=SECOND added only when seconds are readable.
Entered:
h=4 m=34
